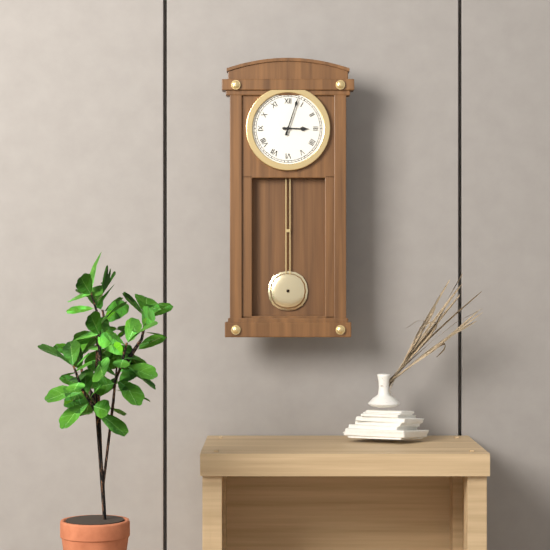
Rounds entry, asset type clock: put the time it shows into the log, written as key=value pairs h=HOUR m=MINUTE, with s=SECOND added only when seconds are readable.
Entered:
h=3 m=3
